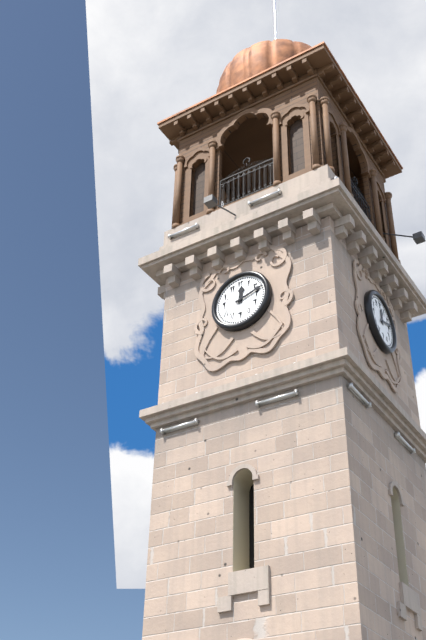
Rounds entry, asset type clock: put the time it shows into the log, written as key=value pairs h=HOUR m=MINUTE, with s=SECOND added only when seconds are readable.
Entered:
h=12 m=12
